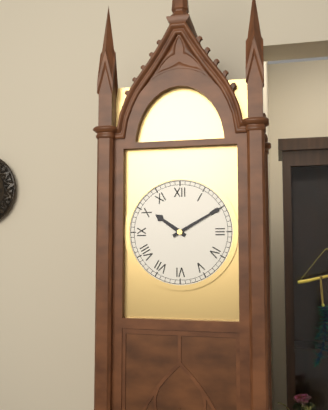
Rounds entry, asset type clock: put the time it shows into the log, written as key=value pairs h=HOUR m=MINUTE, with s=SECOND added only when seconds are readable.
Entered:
h=10 m=10
